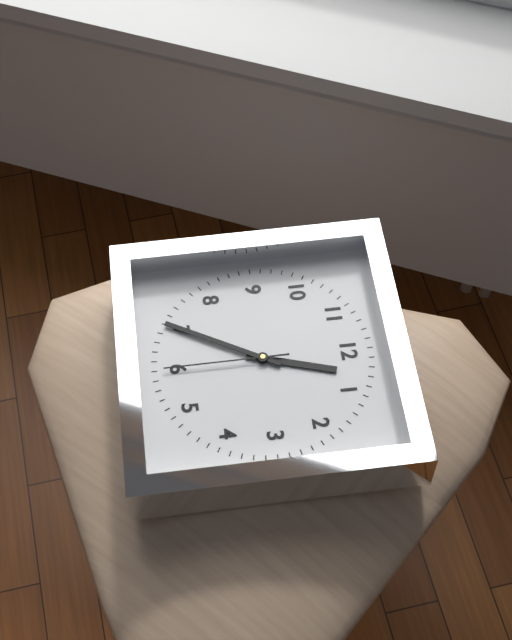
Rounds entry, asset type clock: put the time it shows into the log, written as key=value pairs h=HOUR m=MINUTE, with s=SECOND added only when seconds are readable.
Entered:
h=12 m=35 s=30
